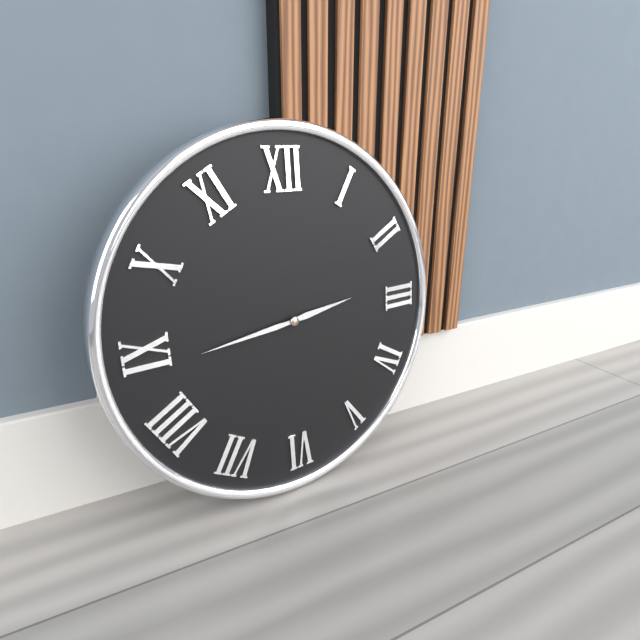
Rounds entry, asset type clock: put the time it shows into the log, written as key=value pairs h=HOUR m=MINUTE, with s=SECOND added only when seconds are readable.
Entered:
h=2 m=44
